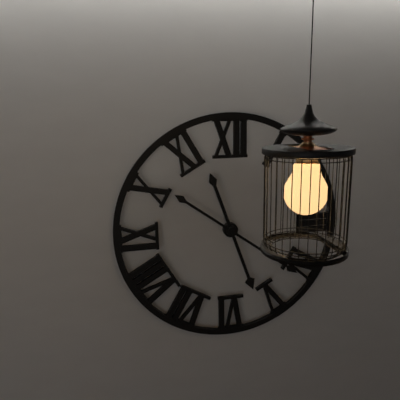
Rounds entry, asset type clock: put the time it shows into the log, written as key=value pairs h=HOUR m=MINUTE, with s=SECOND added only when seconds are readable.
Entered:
h=5 m=21
